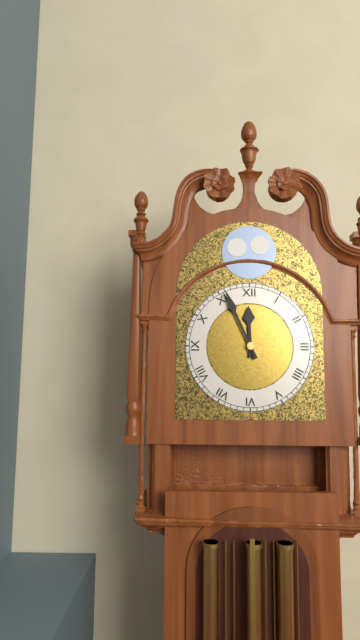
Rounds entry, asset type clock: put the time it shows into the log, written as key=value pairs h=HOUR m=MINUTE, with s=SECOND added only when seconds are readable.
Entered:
h=11 m=56
